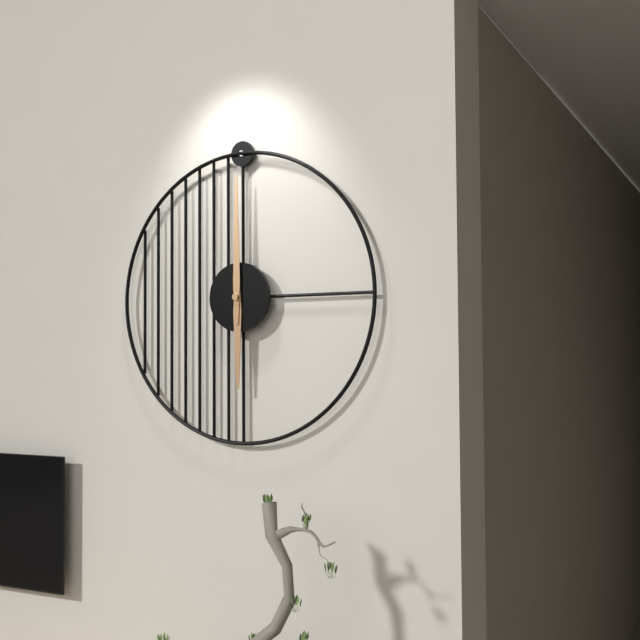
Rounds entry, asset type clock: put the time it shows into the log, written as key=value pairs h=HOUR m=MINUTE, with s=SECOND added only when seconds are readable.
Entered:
h=6 m=0
